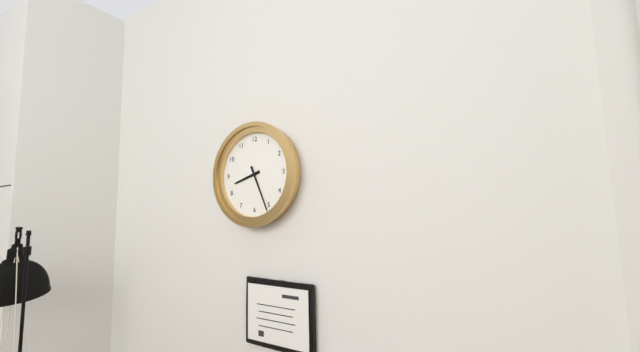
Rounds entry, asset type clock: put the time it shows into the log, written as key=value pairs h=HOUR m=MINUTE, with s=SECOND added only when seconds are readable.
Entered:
h=8 m=26
